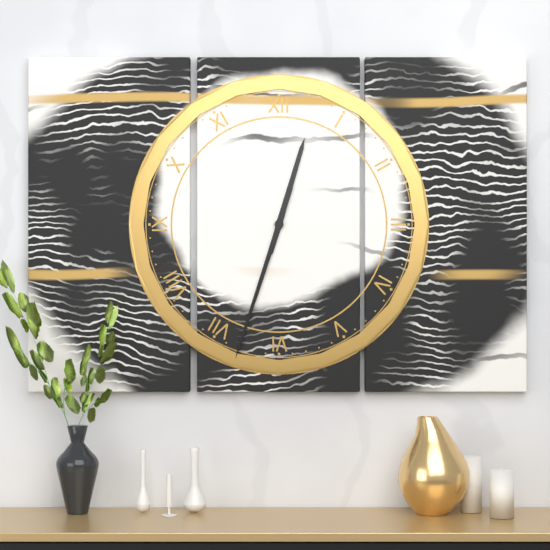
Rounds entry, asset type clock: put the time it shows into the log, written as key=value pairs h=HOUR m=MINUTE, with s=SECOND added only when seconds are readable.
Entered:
h=12 m=33
